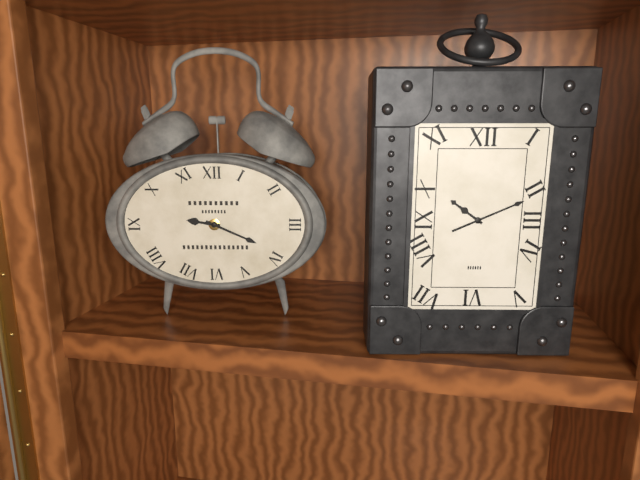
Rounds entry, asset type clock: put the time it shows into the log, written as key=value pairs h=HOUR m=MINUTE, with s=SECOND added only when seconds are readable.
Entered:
h=9 m=19
